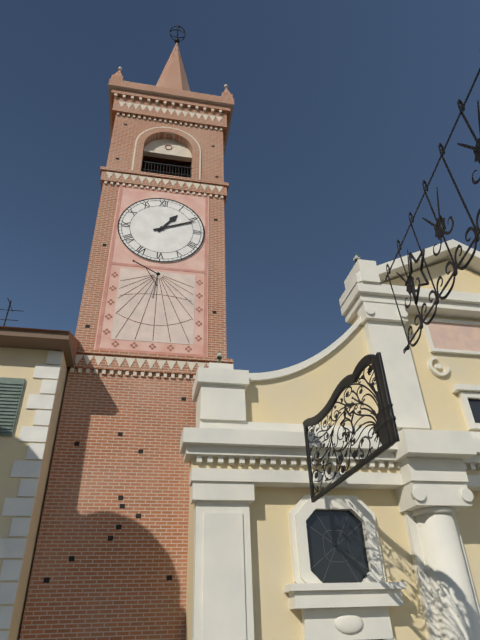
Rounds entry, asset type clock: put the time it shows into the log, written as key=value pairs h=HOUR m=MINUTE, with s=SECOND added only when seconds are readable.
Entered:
h=1 m=11
